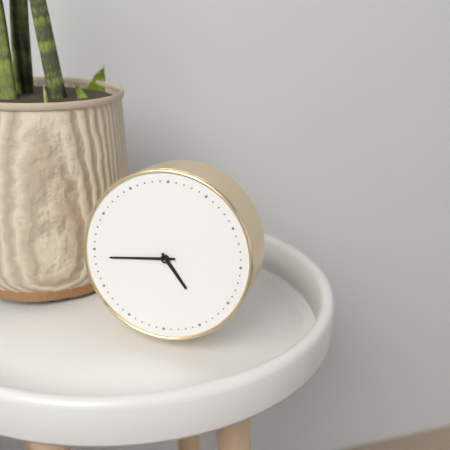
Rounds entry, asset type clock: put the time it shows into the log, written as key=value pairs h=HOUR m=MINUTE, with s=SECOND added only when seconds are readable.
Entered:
h=4 m=44
